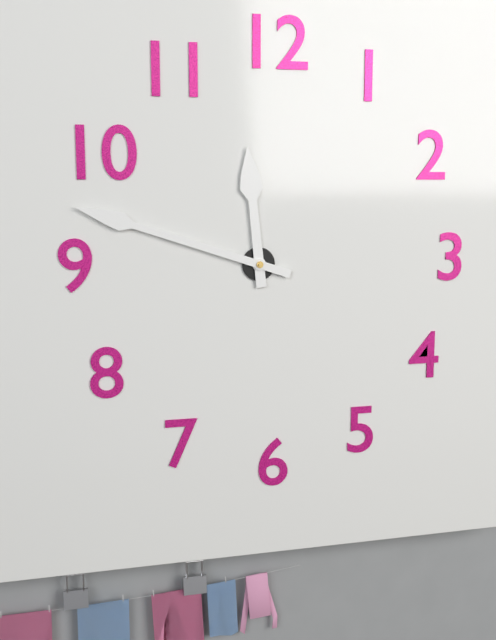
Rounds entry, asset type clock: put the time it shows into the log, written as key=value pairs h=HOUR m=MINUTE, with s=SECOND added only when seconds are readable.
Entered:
h=11 m=48
